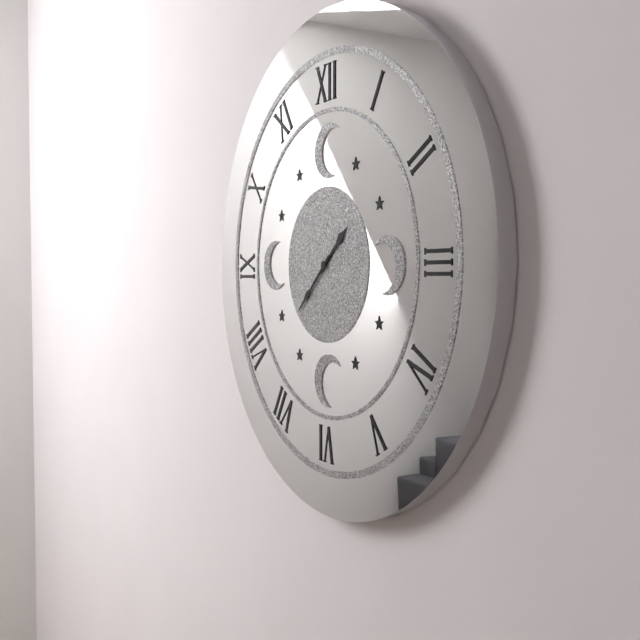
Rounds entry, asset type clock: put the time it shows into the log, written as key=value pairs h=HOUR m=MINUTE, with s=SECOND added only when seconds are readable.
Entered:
h=1 m=38
